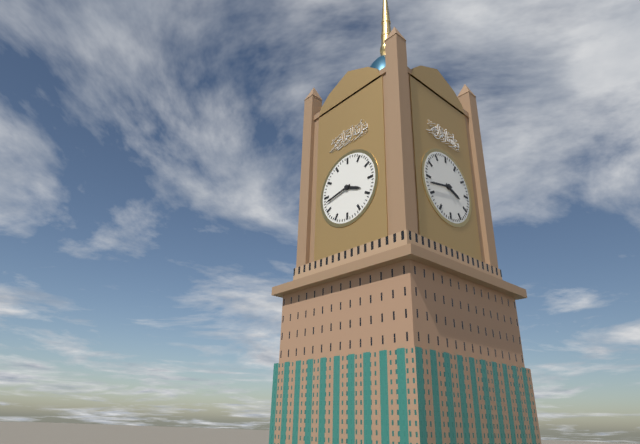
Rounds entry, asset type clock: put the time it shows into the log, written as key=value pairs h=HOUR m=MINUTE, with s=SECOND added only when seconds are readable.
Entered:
h=3 m=43
